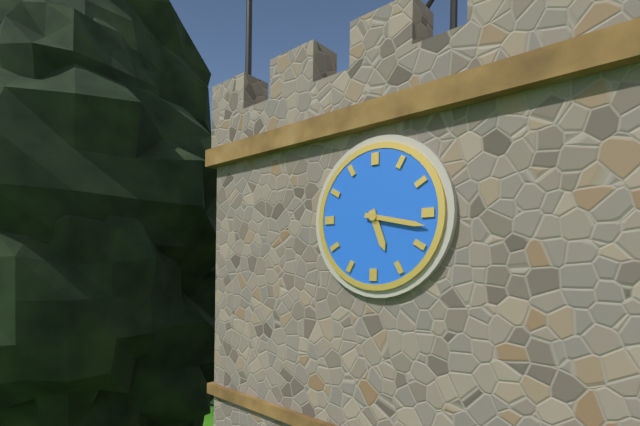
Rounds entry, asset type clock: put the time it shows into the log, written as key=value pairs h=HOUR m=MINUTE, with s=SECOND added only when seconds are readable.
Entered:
h=5 m=17
